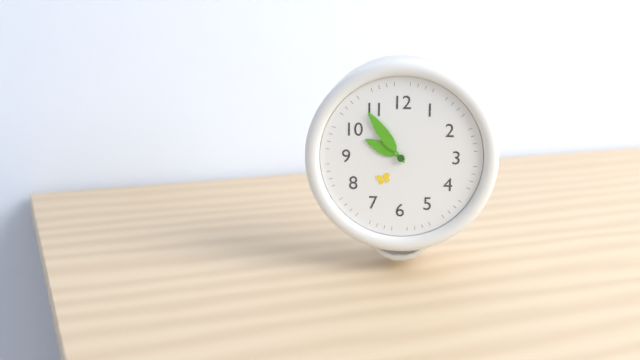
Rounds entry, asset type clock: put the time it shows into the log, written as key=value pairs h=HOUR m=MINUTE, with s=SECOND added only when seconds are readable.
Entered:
h=9 m=54
